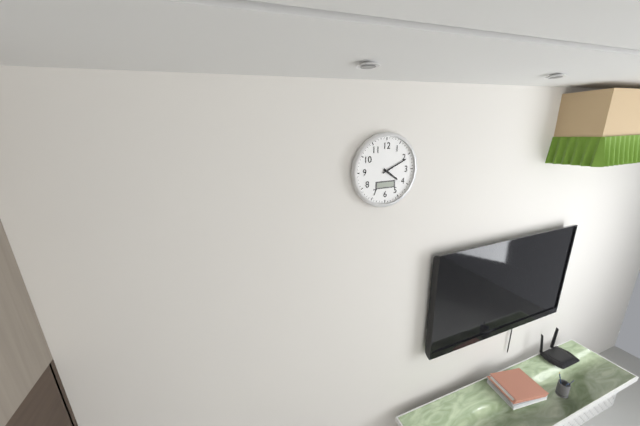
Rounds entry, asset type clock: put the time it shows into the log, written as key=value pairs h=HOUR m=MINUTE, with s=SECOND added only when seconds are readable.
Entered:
h=4 m=11
